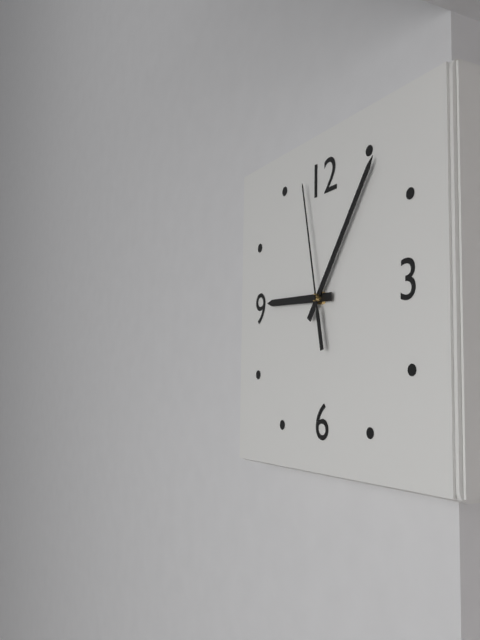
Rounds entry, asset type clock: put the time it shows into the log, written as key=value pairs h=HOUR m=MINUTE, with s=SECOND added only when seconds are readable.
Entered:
h=9 m=6 s=58
